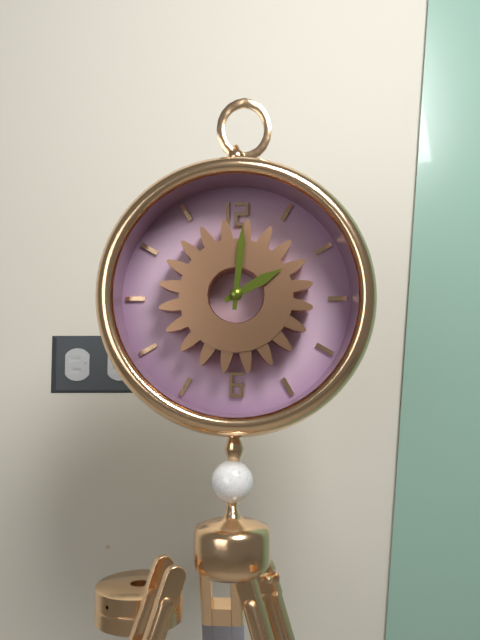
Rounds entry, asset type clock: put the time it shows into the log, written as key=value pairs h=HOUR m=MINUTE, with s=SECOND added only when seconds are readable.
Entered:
h=2 m=1
